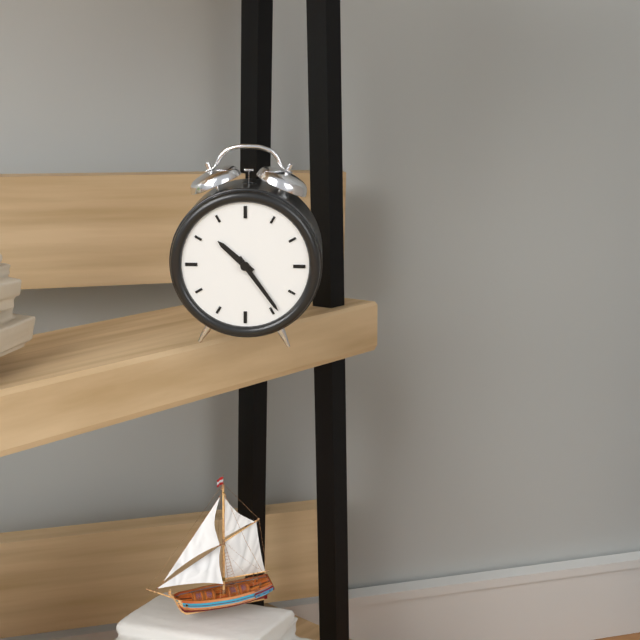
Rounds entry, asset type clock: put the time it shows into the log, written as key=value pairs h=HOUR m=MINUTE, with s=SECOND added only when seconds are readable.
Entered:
h=10 m=24
